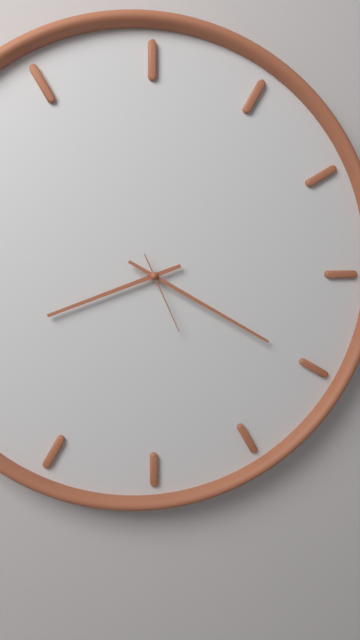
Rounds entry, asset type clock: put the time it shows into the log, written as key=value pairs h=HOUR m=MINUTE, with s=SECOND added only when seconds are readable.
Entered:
h=8 m=20 s=26
